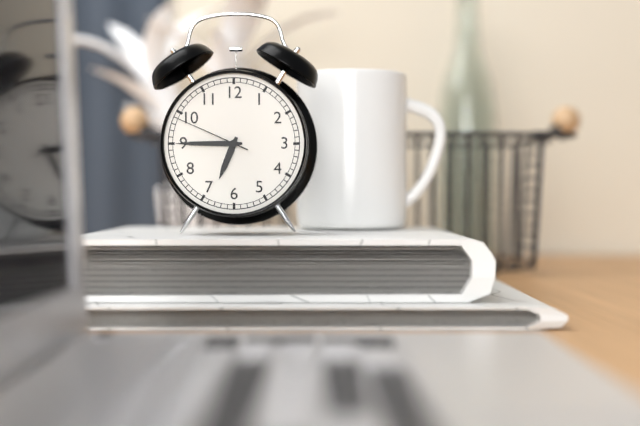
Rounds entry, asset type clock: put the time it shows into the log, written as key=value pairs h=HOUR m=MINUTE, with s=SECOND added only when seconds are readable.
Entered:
h=6 m=45 s=49
